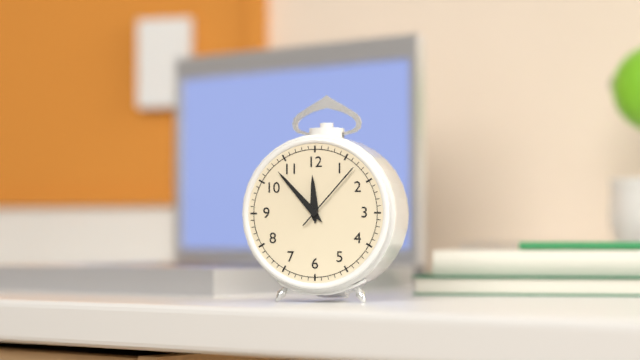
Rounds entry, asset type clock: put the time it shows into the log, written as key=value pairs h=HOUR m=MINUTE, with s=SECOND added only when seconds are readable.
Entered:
h=11 m=53 s=7
